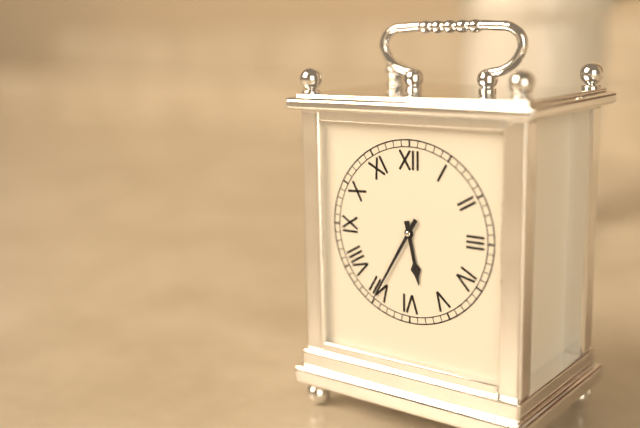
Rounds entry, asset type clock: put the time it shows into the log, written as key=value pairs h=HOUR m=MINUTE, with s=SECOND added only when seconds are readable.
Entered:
h=5 m=35
